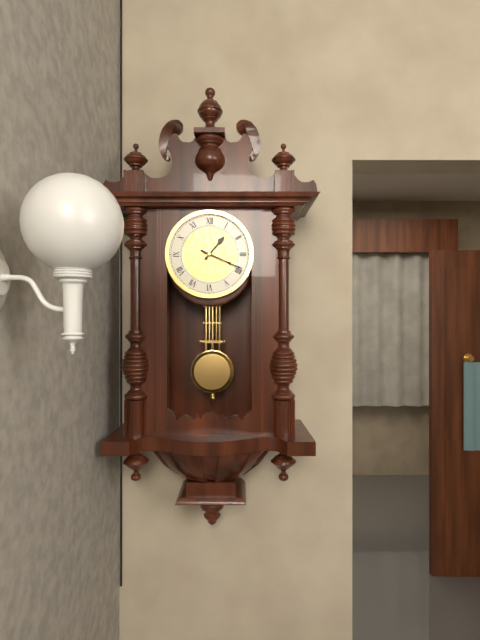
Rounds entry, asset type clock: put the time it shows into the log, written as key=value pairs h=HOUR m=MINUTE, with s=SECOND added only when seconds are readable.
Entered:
h=1 m=19
